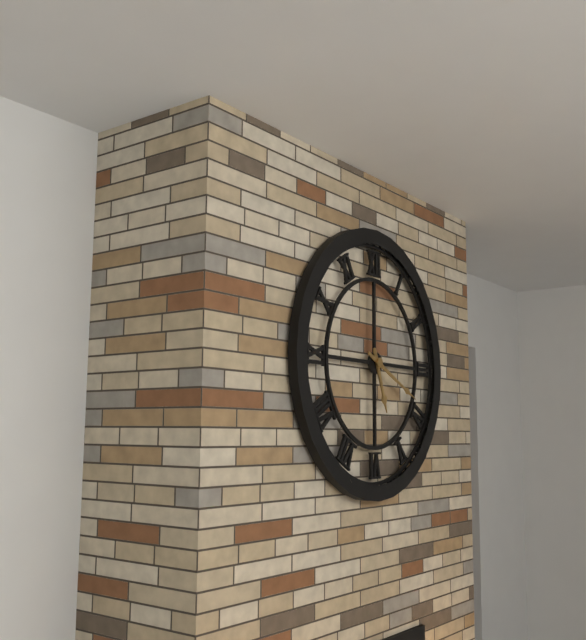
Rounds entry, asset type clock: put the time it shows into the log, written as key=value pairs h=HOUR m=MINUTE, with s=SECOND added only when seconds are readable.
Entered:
h=5 m=19
